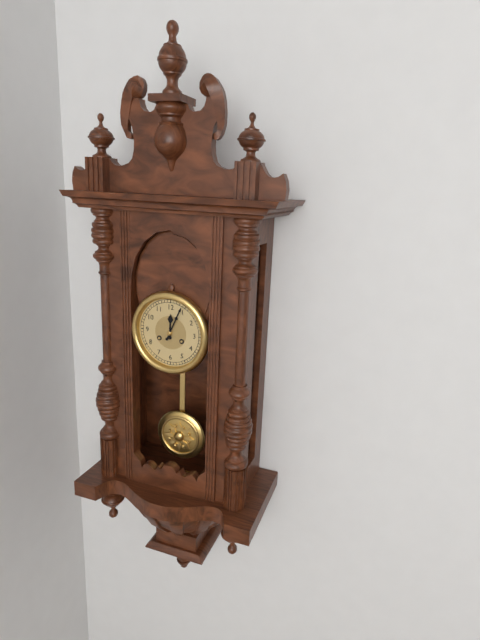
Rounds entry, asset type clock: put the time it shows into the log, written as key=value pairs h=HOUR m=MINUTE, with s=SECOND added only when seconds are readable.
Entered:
h=12 m=4
